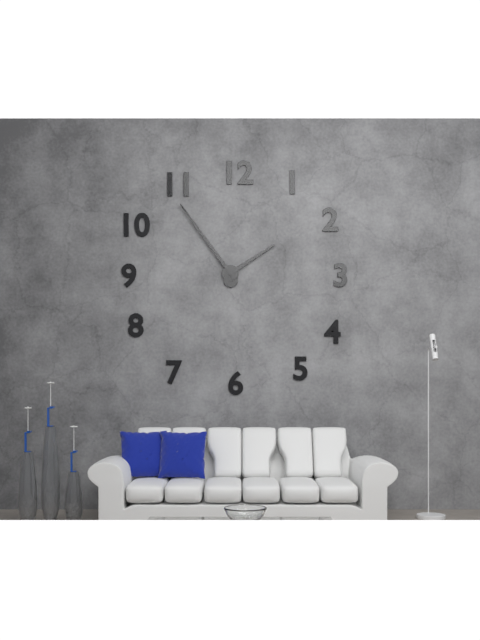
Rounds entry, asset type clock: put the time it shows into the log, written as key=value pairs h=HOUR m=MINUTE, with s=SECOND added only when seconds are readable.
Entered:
h=1 m=54
